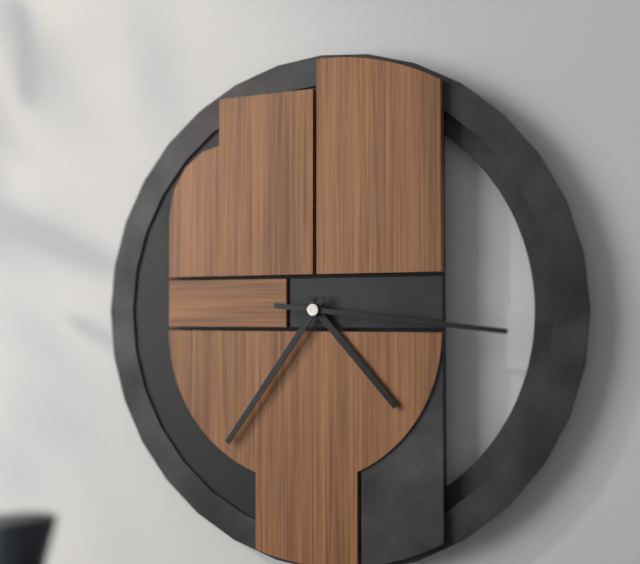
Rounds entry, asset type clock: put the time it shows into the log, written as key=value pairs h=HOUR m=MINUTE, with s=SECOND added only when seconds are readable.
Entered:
h=4 m=36 s=16
